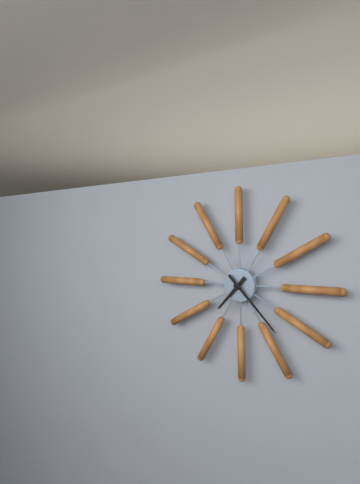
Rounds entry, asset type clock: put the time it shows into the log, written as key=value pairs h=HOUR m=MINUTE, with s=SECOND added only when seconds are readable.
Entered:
h=7 m=23
